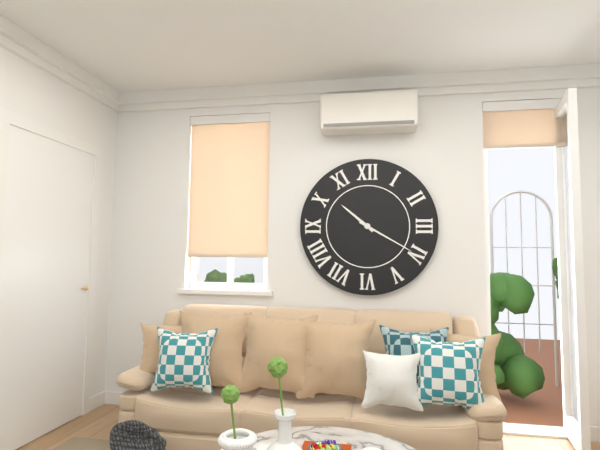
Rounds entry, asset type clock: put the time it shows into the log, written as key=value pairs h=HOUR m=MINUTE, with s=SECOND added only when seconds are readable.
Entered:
h=10 m=20
